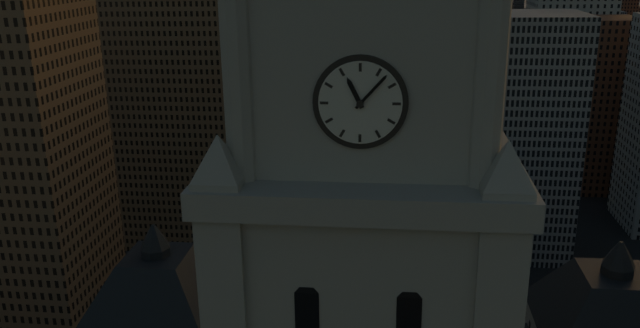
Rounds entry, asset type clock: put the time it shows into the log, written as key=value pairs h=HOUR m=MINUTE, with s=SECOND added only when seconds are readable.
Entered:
h=11 m=7
